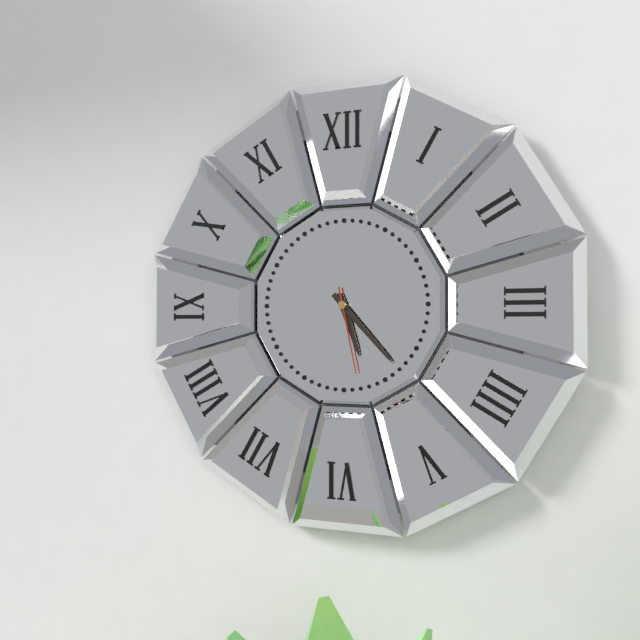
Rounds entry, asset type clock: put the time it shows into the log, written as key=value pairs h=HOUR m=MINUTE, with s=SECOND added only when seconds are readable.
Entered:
h=5 m=23 s=28
